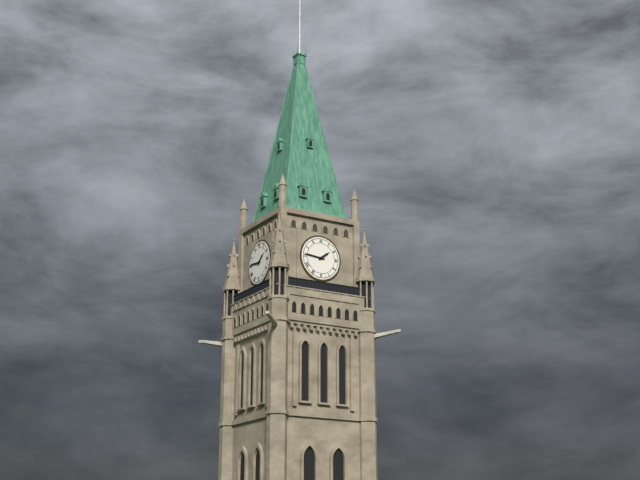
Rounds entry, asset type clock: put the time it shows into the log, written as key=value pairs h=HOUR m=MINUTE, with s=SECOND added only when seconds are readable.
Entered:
h=1 m=46
